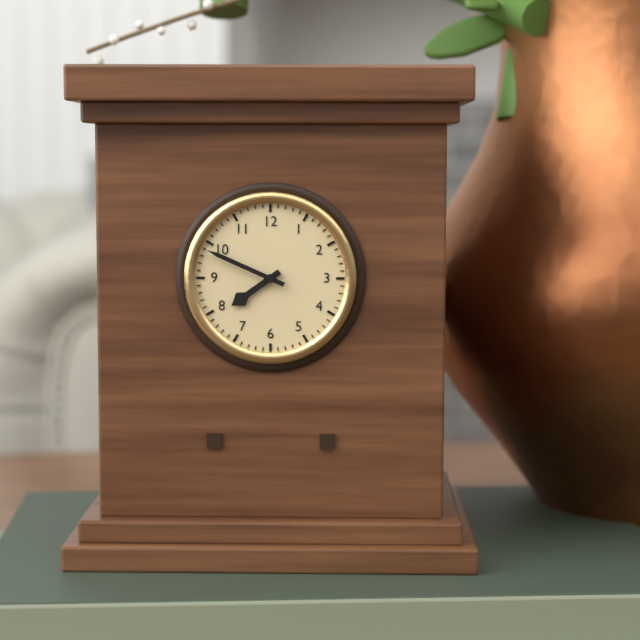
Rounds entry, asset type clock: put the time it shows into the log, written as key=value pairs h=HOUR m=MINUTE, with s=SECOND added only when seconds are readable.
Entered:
h=7 m=49
